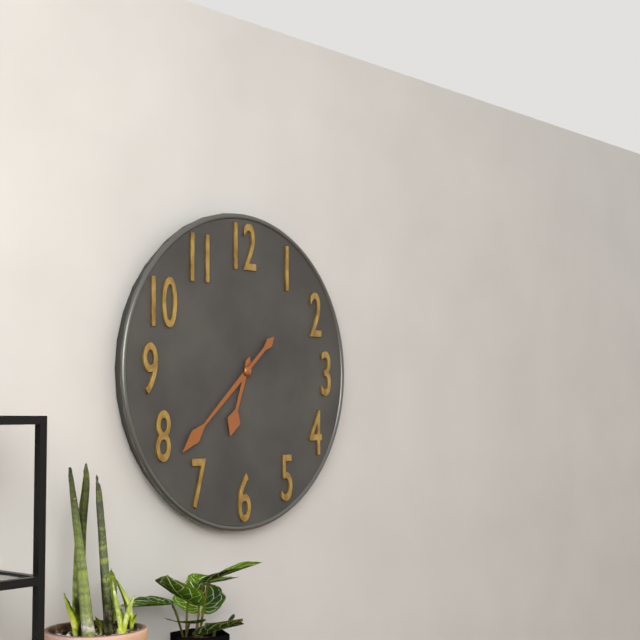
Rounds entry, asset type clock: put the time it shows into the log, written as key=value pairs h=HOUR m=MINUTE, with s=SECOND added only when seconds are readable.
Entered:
h=6 m=38
